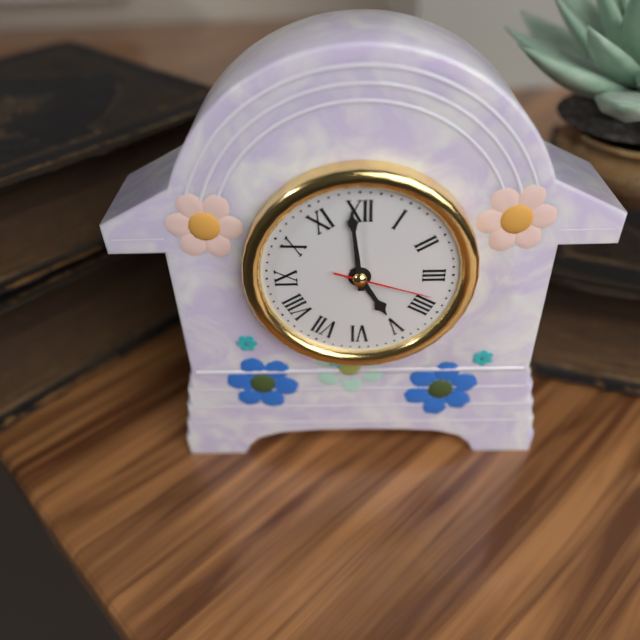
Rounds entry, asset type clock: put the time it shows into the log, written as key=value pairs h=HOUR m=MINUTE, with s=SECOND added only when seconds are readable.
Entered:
h=4 m=59 s=18
